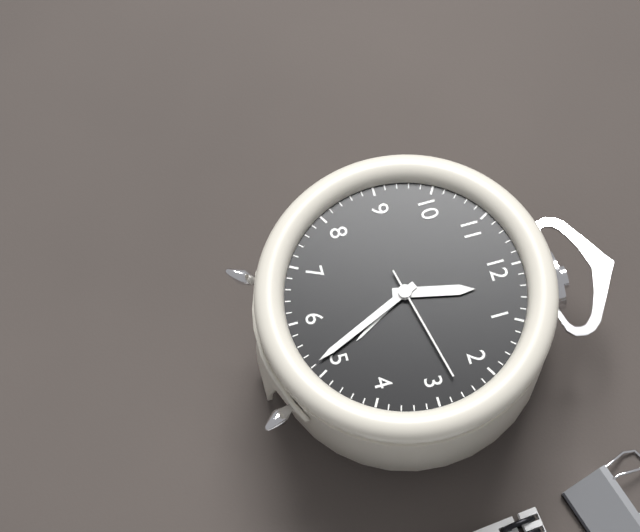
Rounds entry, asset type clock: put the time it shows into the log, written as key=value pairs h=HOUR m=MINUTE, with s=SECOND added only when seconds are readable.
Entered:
h=12 m=26 s=13
